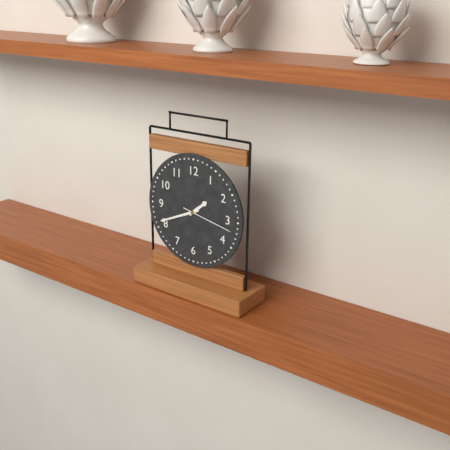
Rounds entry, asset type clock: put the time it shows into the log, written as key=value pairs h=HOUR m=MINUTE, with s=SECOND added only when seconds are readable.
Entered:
h=1 m=41 s=17
